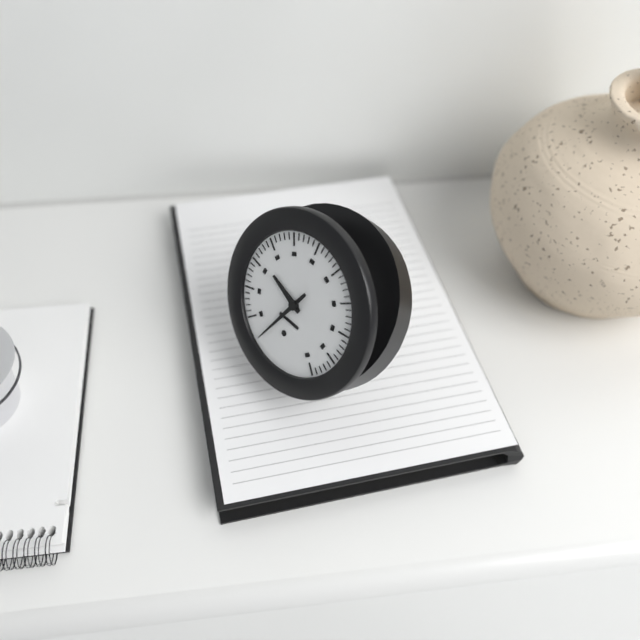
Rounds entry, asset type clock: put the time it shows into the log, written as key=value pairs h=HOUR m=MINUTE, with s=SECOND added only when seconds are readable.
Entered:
h=9 m=34
